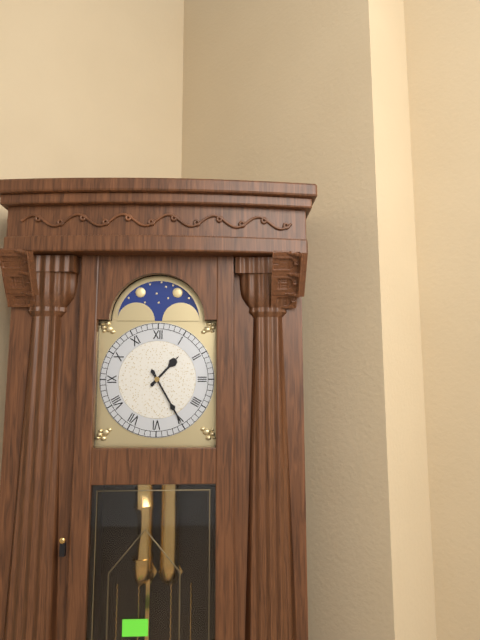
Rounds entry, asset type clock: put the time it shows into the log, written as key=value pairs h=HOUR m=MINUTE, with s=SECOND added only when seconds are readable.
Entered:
h=1 m=25
